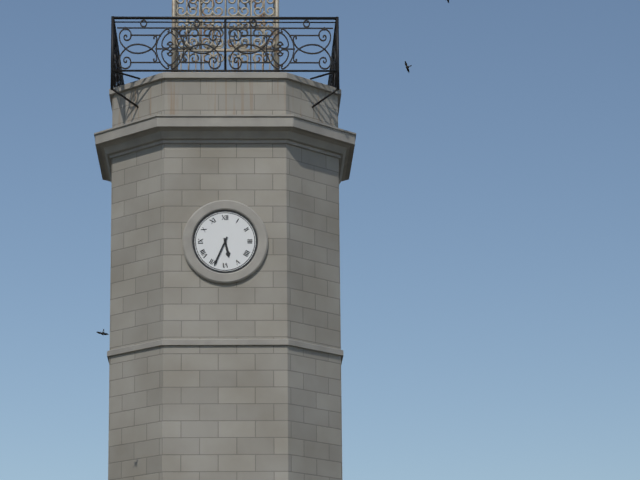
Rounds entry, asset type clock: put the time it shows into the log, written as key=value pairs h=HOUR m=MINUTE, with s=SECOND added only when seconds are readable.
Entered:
h=5 m=34
